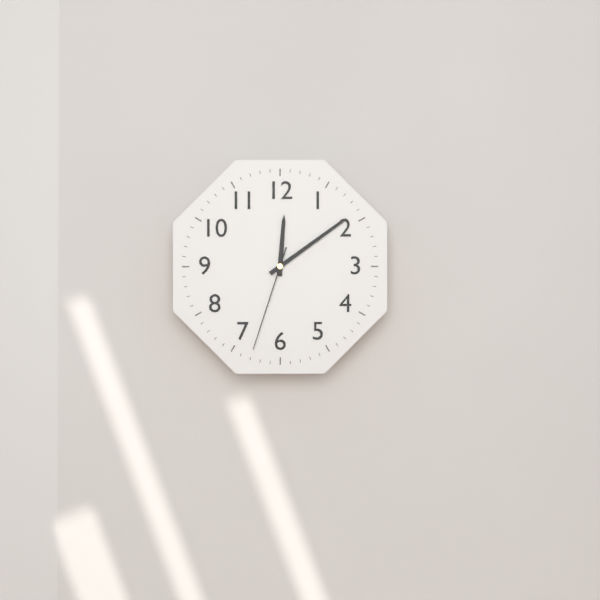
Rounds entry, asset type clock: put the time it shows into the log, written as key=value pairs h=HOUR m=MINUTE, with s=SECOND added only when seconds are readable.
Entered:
h=12 m=9 s=33
